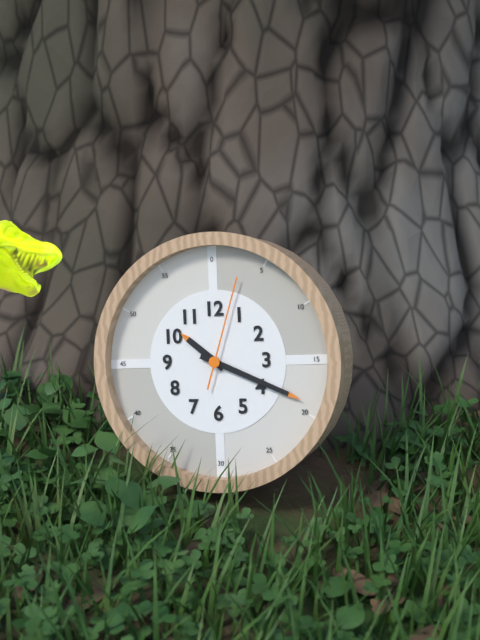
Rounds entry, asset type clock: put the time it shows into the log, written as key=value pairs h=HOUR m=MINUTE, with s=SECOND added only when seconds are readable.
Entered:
h=10 m=19 s=3
